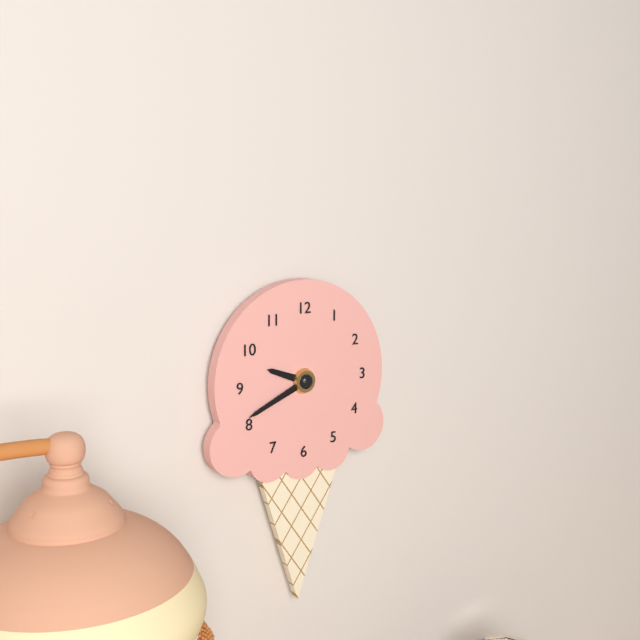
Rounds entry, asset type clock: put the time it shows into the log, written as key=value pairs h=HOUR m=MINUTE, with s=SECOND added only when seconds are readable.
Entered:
h=9 m=41
